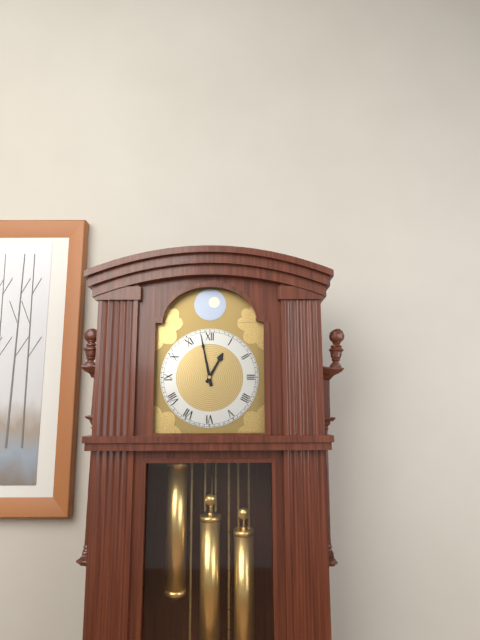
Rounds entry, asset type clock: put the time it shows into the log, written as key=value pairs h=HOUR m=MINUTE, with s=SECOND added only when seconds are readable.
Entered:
h=12 m=58
